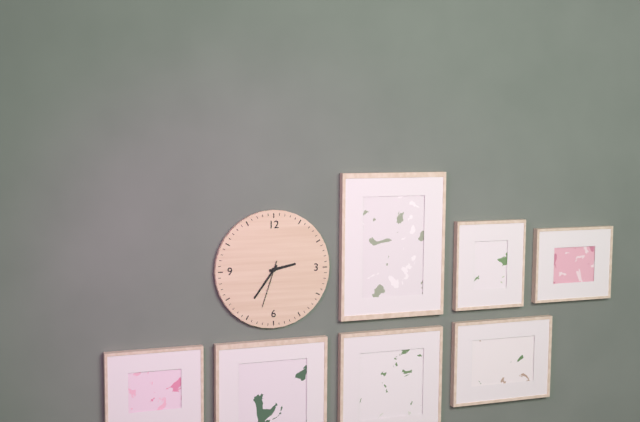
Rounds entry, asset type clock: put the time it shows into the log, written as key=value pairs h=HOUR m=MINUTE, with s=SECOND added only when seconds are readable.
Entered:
h=2 m=36
